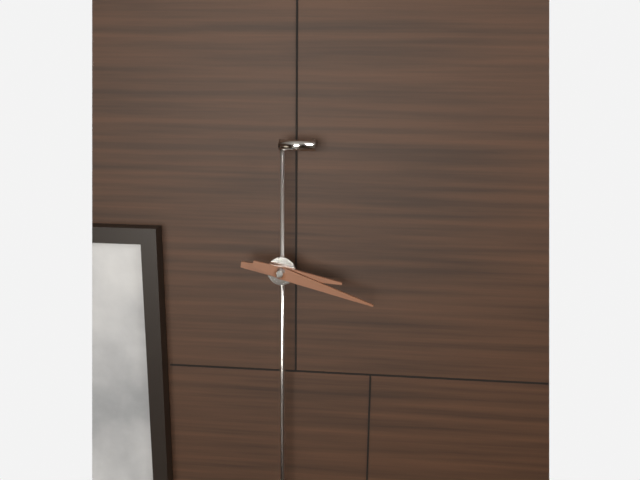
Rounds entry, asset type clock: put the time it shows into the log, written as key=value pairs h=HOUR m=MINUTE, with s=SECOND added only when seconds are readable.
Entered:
h=3 m=18
